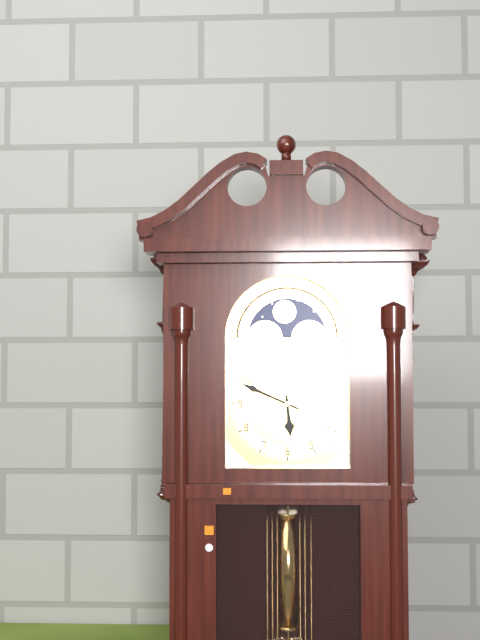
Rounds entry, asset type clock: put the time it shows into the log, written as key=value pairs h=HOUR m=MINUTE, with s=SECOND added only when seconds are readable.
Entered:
h=5 m=49
